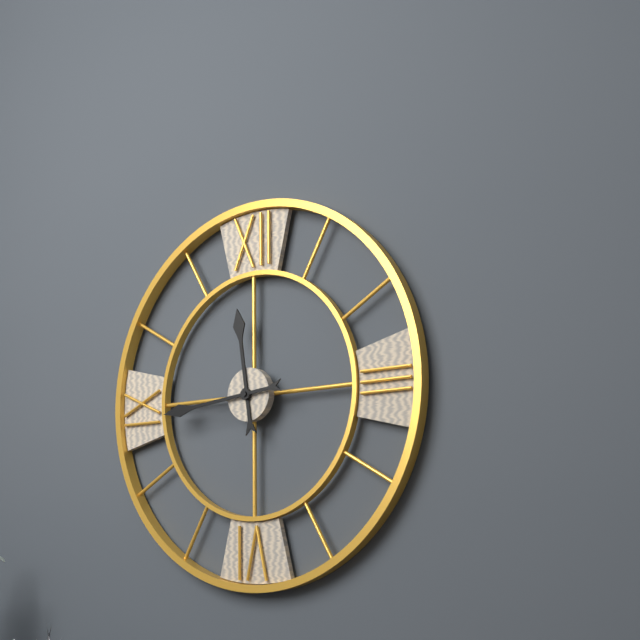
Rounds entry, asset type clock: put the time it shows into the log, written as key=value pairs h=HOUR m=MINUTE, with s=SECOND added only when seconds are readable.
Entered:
h=11 m=44
